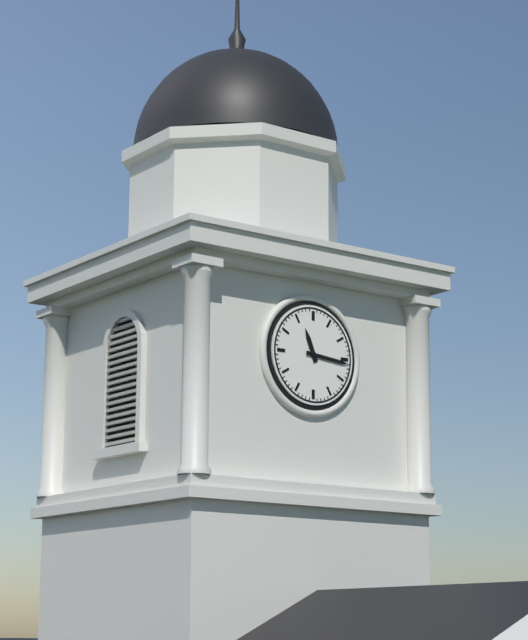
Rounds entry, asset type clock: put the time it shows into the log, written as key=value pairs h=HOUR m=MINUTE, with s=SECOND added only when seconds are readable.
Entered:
h=11 m=16
